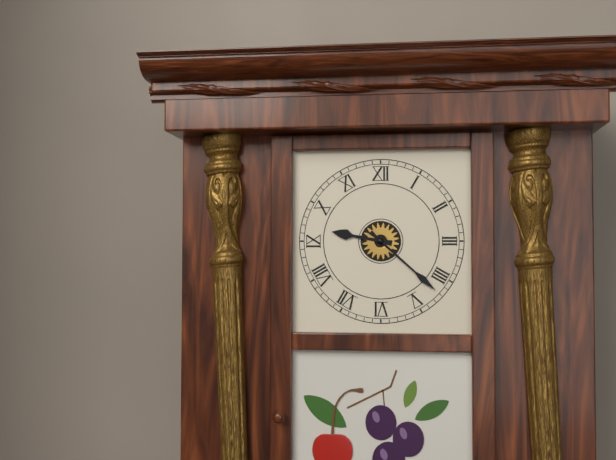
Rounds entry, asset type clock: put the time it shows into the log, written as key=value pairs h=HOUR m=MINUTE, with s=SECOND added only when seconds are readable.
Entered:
h=9 m=22
